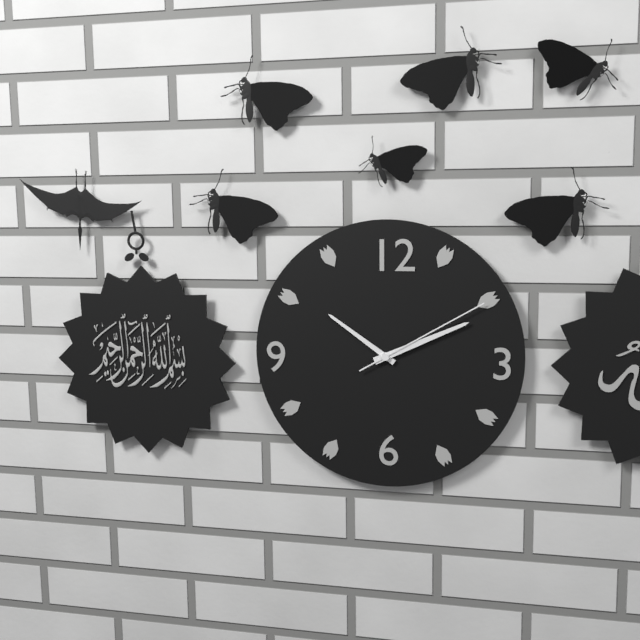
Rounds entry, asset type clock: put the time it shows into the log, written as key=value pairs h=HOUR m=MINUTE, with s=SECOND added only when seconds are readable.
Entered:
h=10 m=11 s=10
